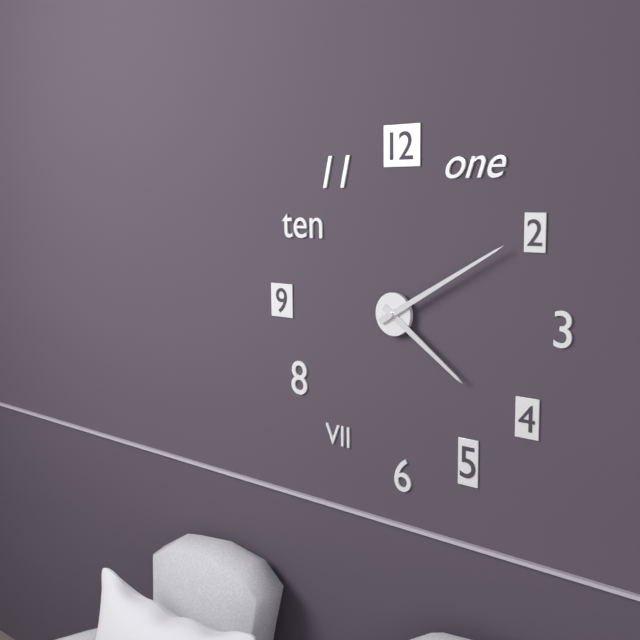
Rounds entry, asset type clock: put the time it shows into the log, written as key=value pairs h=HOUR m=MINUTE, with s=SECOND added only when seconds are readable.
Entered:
h=4 m=10
